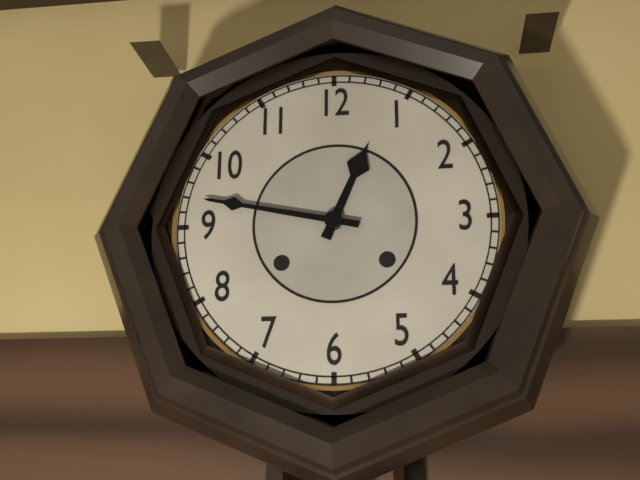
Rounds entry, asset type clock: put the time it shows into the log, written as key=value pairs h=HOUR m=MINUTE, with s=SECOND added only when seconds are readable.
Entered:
h=12 m=47
